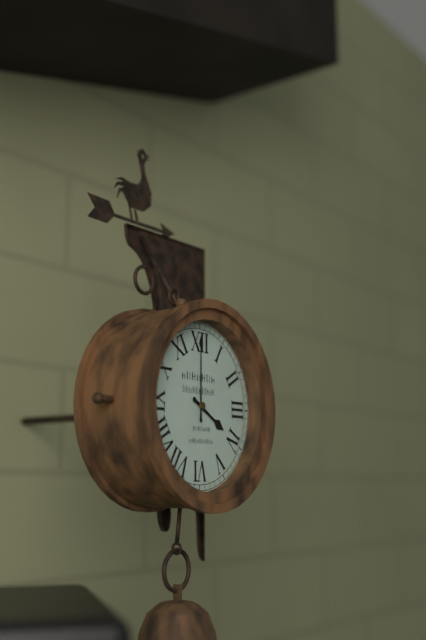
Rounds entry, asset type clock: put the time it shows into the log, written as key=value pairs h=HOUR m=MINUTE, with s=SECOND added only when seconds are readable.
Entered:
h=4 m=0
